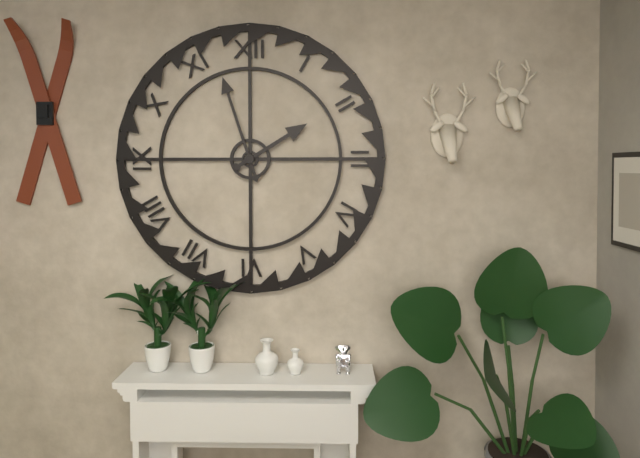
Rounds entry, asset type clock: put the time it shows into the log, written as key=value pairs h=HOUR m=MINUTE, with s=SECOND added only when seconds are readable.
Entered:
h=1 m=57
